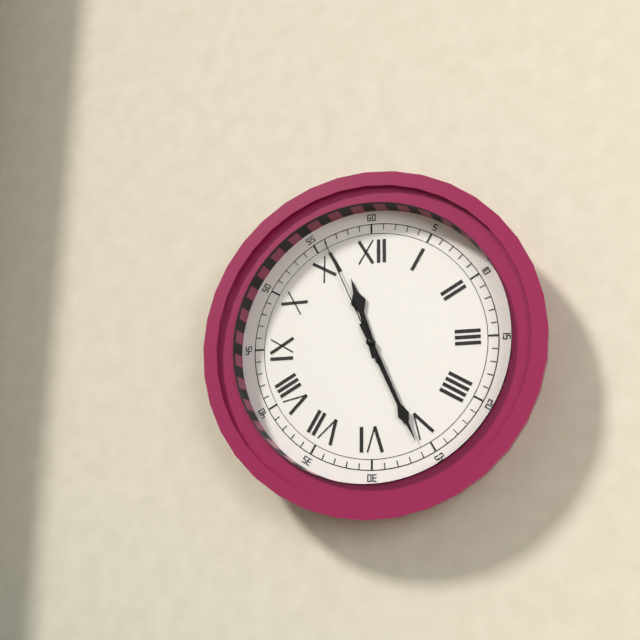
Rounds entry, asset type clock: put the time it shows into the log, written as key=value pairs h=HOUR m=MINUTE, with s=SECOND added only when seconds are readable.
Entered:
h=11 m=26 s=56
